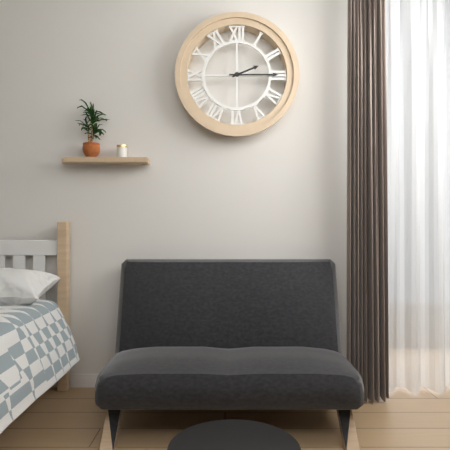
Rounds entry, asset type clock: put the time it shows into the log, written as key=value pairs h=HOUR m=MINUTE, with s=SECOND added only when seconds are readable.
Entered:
h=2 m=15
